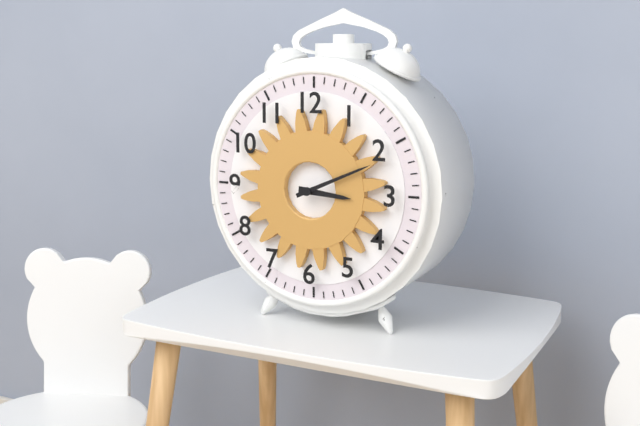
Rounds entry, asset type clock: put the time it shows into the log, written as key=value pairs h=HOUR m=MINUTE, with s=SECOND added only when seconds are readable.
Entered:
h=3 m=11
